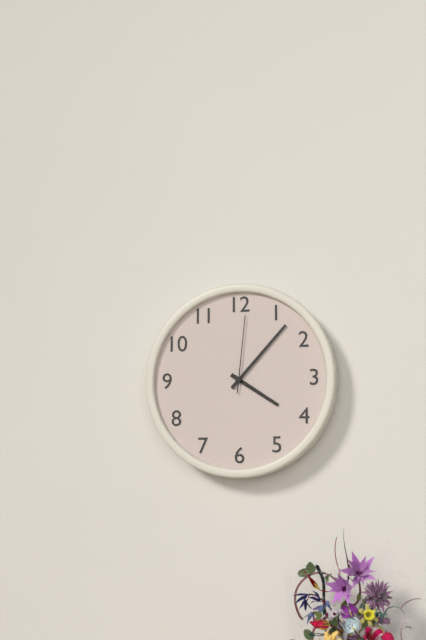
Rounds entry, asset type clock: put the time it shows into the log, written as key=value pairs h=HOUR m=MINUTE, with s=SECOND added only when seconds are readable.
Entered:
h=4 m=7 s=1
